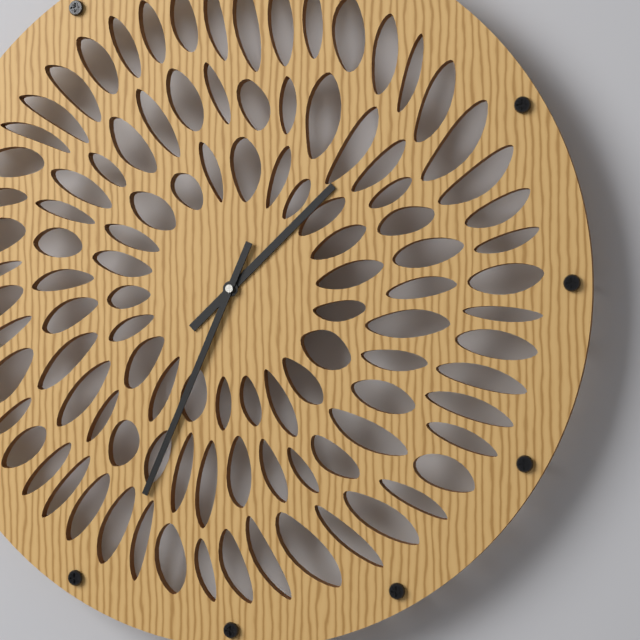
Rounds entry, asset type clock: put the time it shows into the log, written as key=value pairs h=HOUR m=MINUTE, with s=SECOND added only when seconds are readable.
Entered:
h=1 m=34
